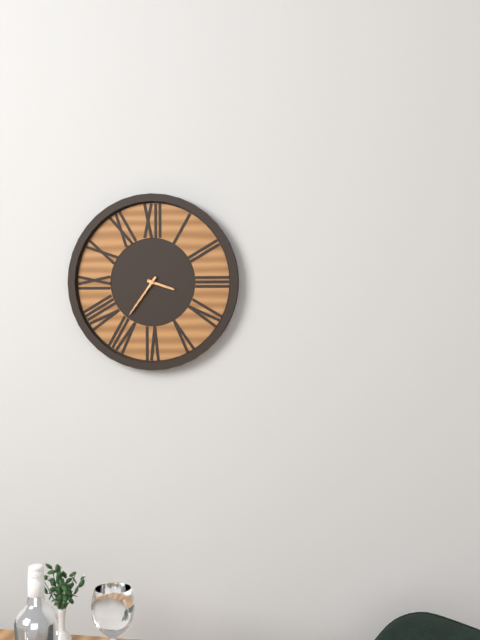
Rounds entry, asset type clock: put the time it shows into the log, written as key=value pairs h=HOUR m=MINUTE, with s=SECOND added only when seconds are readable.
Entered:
h=3 m=36
